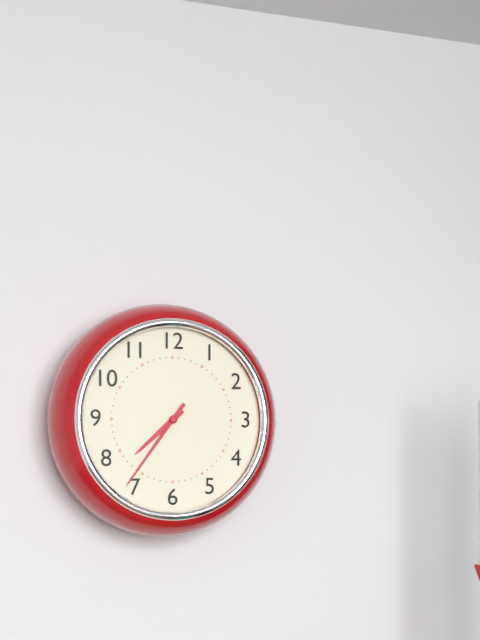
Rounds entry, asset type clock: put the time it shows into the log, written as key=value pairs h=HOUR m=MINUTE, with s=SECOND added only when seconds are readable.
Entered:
h=7 m=36
